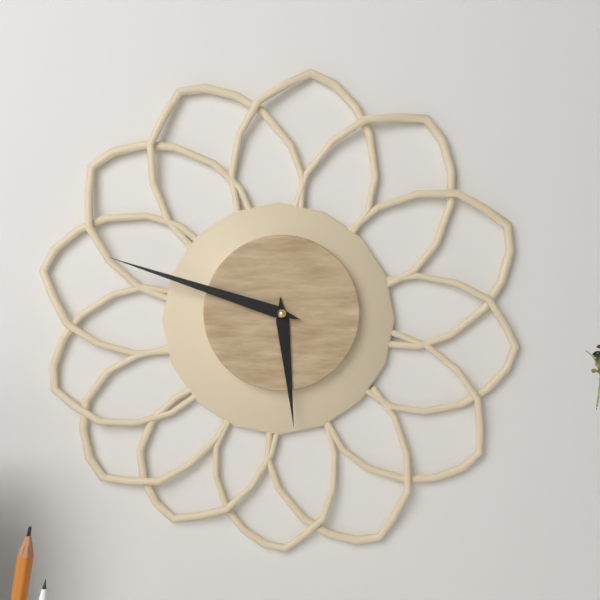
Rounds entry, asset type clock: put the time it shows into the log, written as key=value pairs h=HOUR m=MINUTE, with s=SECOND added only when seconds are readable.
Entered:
h=5 m=48
